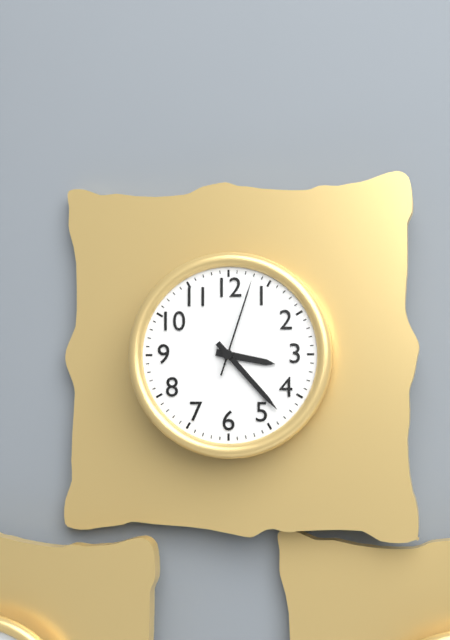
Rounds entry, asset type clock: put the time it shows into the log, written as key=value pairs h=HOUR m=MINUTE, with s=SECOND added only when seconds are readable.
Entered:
h=3 m=23 s=3
